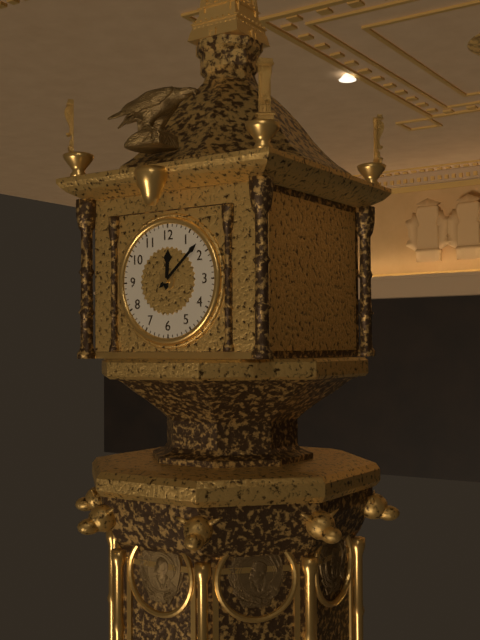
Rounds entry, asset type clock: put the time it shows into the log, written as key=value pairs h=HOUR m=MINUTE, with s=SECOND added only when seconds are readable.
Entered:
h=12 m=8
